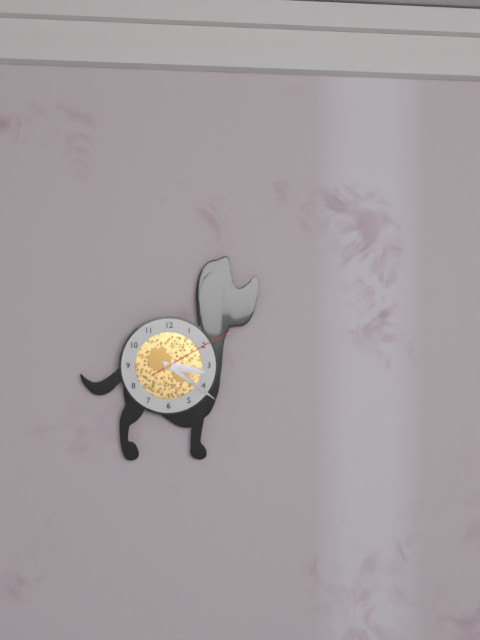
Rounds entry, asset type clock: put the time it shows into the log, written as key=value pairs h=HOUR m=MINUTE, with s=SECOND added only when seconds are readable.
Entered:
h=3 m=21 s=10
